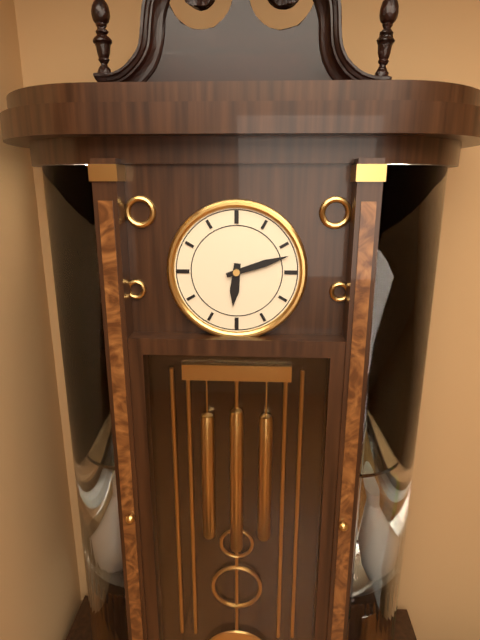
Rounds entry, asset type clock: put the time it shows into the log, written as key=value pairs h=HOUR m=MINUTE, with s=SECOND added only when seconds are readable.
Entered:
h=6 m=12
